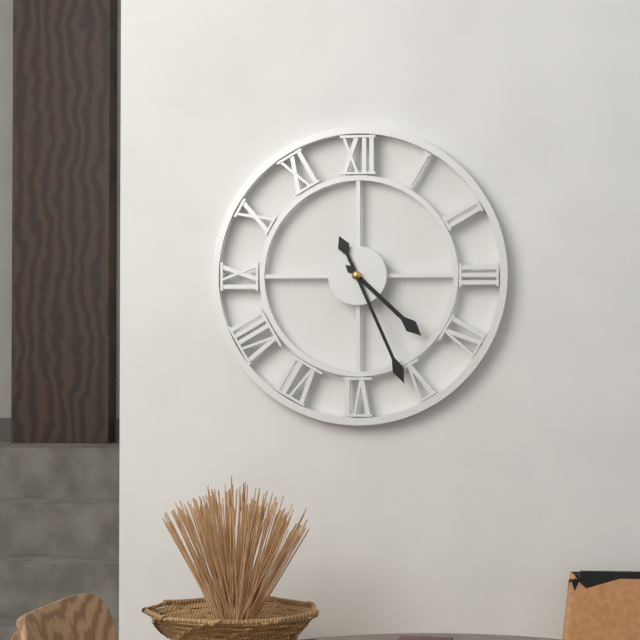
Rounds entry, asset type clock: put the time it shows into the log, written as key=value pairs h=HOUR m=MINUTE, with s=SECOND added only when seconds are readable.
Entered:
h=4 m=26
